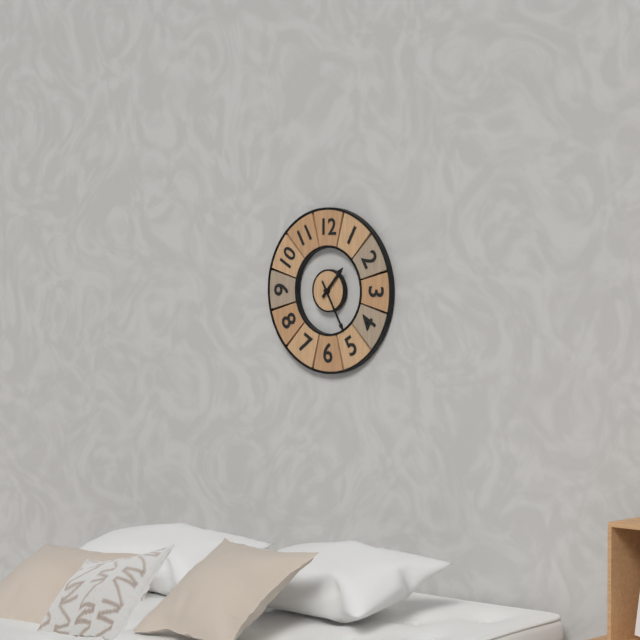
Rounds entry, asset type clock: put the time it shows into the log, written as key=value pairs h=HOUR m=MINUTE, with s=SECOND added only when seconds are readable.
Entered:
h=1 m=25
